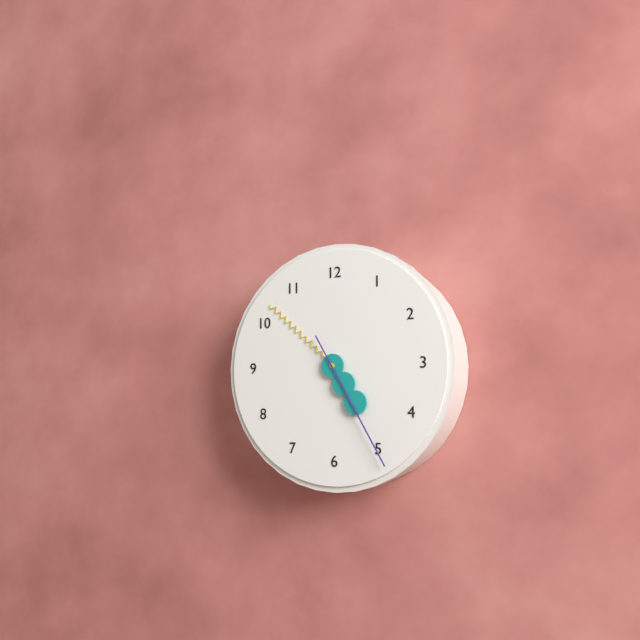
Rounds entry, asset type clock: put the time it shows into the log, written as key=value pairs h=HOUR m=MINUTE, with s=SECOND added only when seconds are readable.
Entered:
h=4 m=52 s=25
